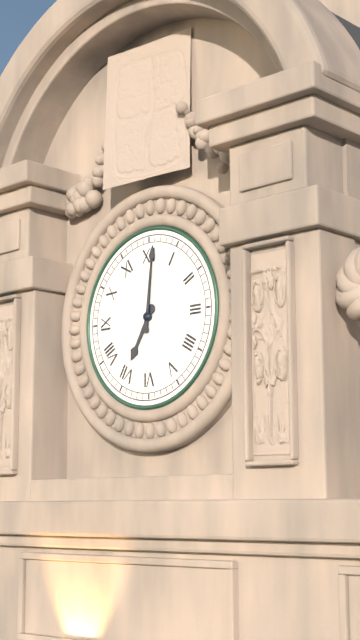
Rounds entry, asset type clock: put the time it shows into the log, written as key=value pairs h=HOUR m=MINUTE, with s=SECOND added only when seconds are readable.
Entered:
h=7 m=1
